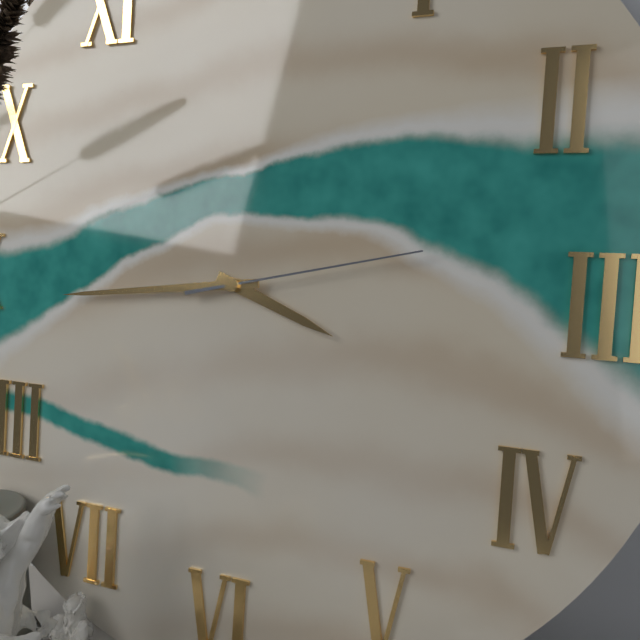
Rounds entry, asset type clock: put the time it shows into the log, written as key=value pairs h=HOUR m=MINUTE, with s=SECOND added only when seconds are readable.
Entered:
h=3 m=44 s=13
